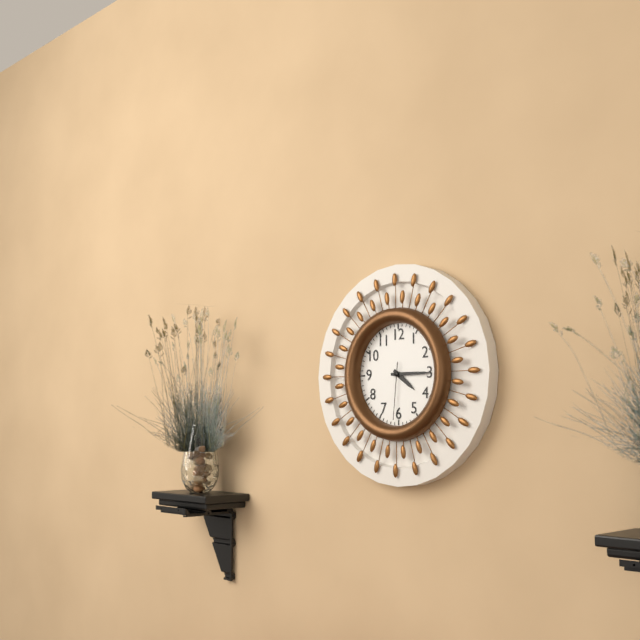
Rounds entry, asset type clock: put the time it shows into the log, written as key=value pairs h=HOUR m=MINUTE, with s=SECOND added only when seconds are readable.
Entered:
h=4 m=15 s=31
